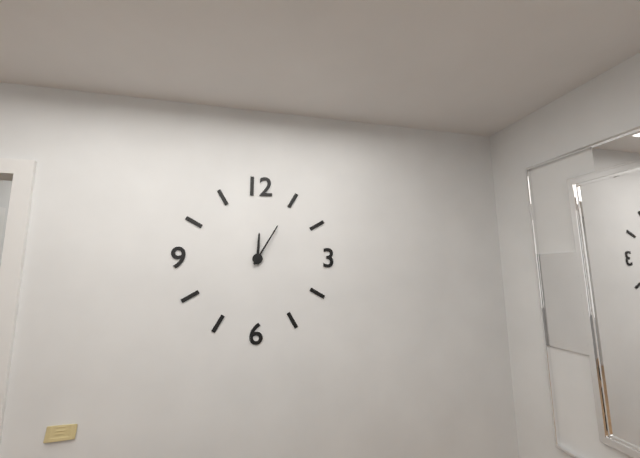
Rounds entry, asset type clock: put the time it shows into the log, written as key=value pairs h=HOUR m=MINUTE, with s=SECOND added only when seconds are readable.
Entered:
h=12 m=5
